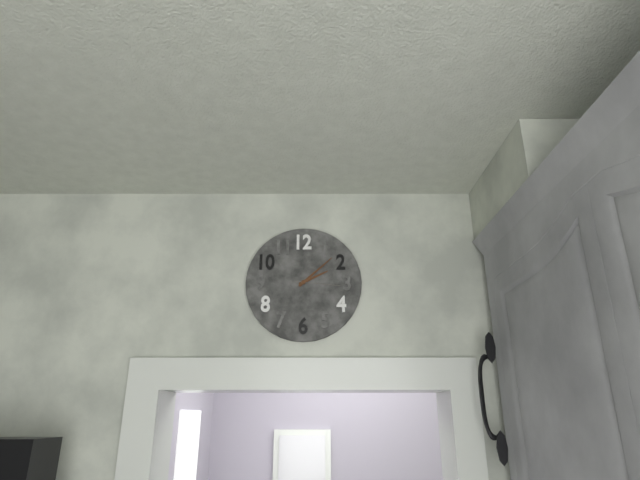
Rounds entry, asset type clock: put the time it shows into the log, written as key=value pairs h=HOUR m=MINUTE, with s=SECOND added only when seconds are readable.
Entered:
h=2 m=8
